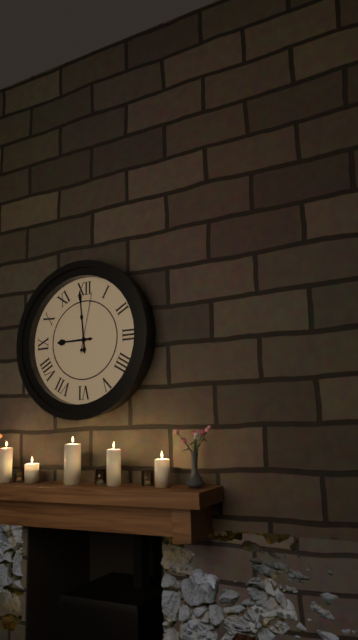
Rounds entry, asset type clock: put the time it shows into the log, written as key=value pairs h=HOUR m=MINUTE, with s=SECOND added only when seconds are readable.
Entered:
h=8 m=59 s=2
